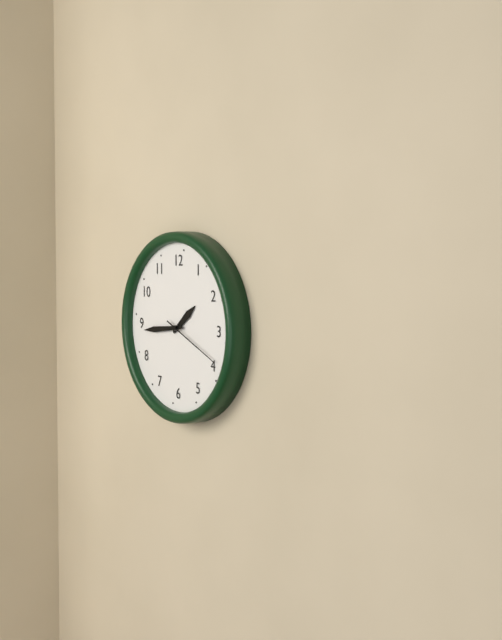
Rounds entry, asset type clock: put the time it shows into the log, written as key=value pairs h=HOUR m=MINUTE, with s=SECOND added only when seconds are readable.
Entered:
h=1 m=44 s=19
